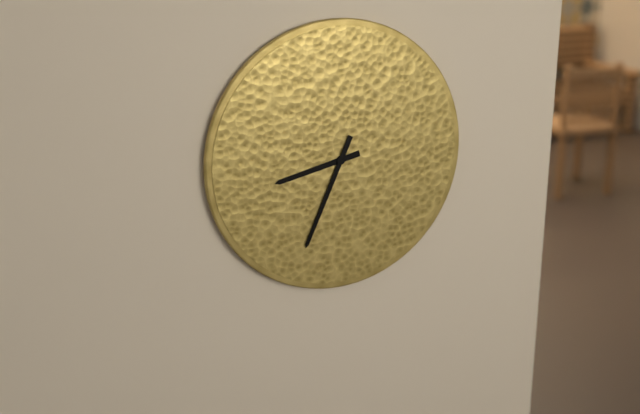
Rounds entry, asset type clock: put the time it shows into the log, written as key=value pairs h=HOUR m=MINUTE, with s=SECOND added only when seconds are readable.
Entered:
h=8 m=34
